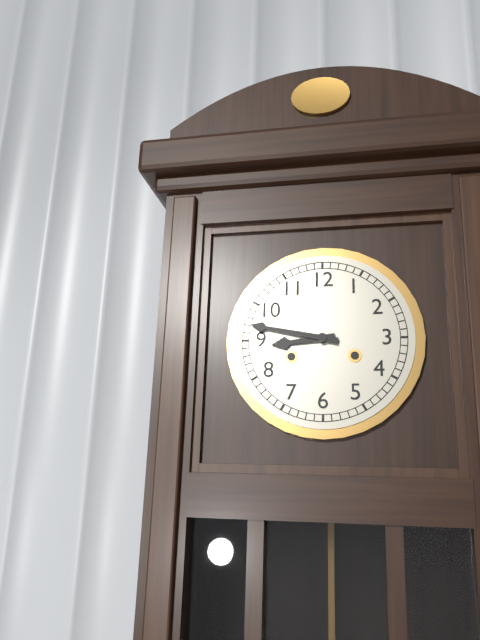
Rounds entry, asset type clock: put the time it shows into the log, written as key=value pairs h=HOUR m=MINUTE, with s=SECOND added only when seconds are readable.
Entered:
h=8 m=47
